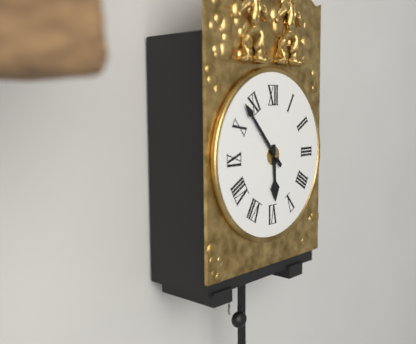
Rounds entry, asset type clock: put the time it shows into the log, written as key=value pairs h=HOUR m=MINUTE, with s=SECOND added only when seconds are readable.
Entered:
h=5 m=53
